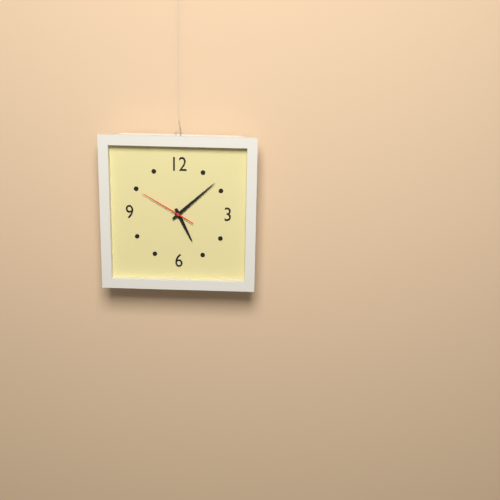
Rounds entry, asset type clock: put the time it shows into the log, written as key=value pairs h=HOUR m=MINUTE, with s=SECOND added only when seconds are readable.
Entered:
h=5 m=8 s=50
